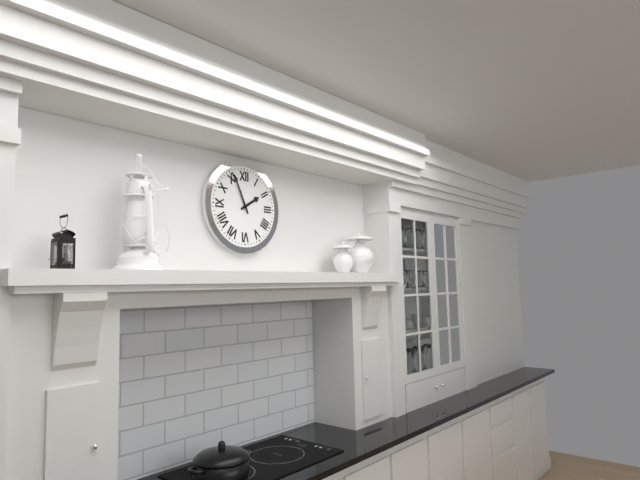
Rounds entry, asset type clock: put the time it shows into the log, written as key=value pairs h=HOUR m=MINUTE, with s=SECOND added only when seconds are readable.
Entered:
h=1 m=56
